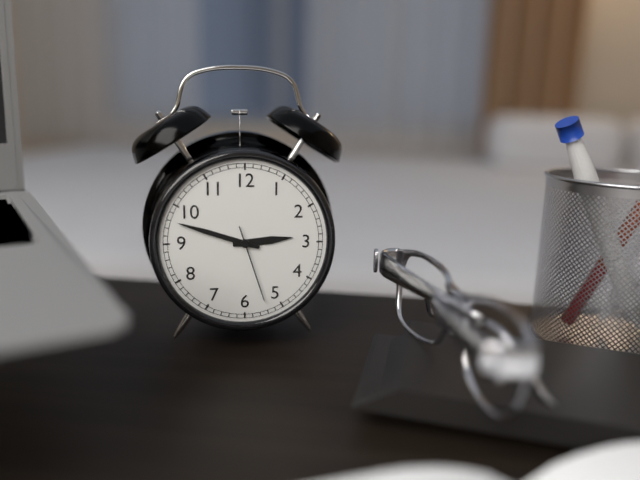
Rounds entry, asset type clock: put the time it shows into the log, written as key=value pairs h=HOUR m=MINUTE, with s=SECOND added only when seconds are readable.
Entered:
h=2 m=48 s=27
